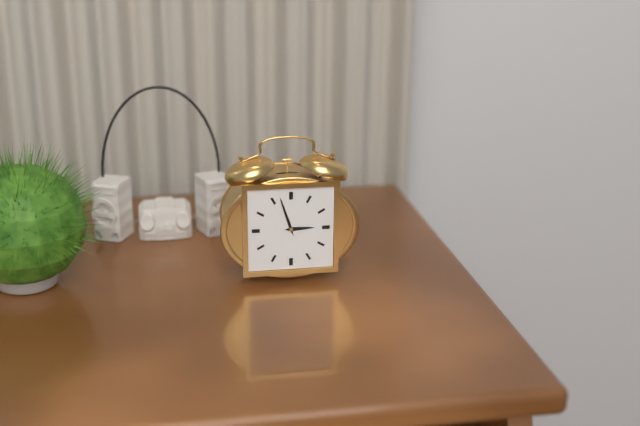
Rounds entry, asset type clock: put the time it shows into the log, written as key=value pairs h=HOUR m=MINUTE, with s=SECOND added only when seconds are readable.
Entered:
h=2 m=57
